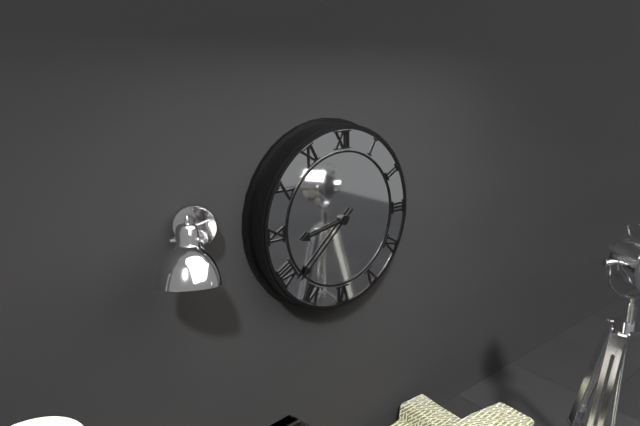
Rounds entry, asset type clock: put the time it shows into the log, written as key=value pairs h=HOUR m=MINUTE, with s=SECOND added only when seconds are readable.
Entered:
h=8 m=38
